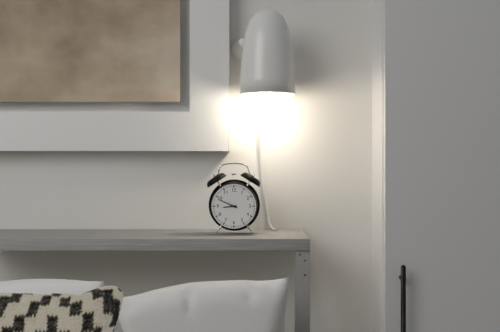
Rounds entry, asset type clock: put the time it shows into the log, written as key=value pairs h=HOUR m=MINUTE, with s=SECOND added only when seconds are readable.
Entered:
h=8 m=49
